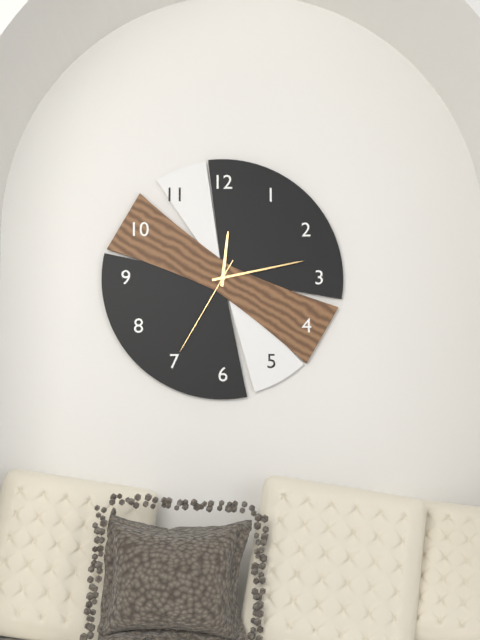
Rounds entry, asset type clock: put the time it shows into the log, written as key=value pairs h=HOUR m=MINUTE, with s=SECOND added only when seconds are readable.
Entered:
h=12 m=13 s=35
